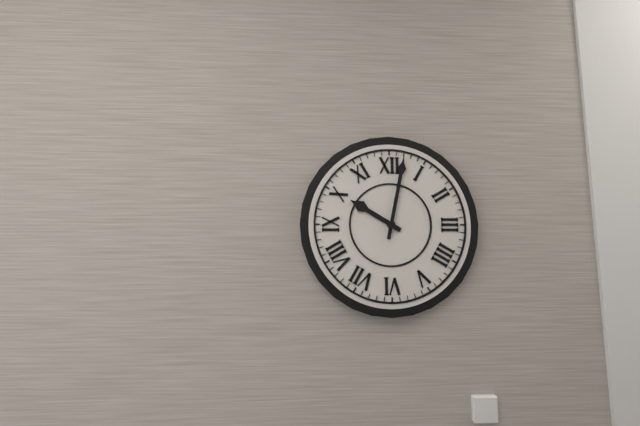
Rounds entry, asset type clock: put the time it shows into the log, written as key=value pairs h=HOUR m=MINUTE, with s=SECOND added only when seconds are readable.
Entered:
h=10 m=2
